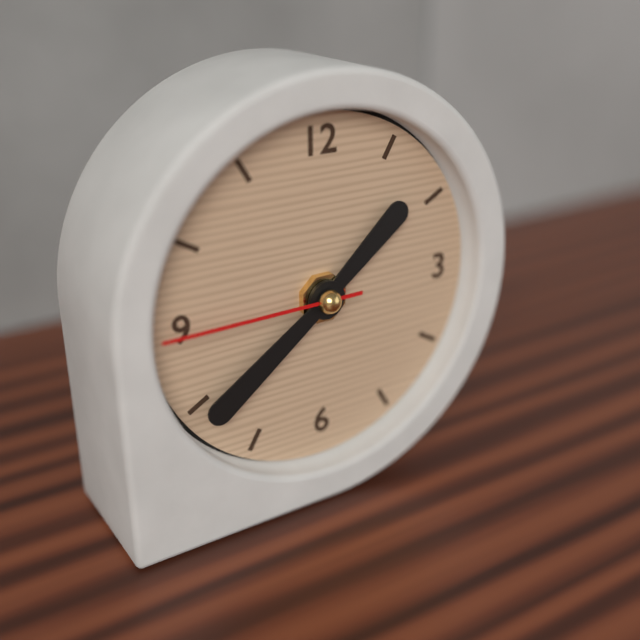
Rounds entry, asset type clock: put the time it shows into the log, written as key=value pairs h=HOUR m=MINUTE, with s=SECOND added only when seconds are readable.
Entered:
h=1 m=39 s=45
